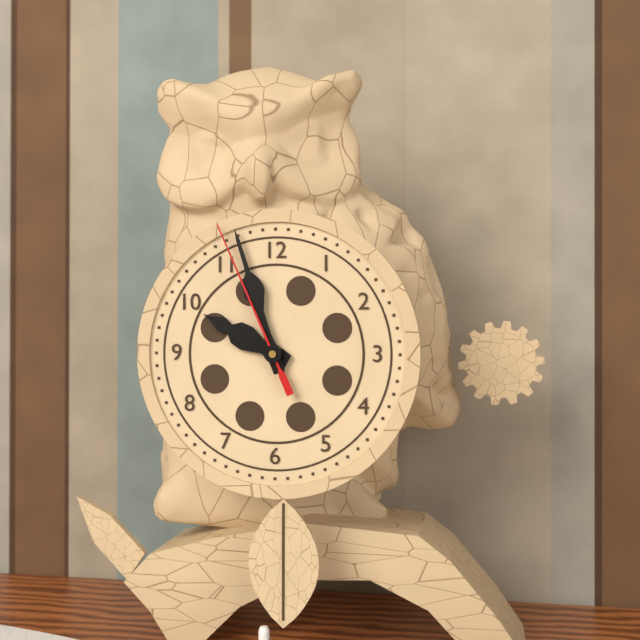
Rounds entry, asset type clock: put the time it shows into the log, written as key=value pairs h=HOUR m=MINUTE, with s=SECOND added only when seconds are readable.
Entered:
h=9 m=57 s=56
